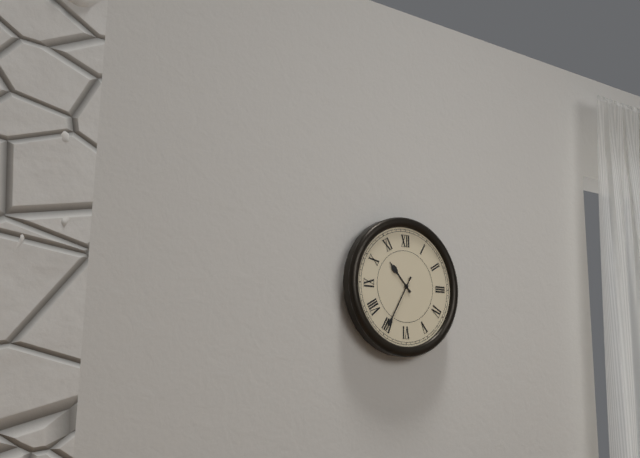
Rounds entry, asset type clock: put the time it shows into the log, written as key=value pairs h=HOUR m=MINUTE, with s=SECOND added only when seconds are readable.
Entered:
h=10 m=35
